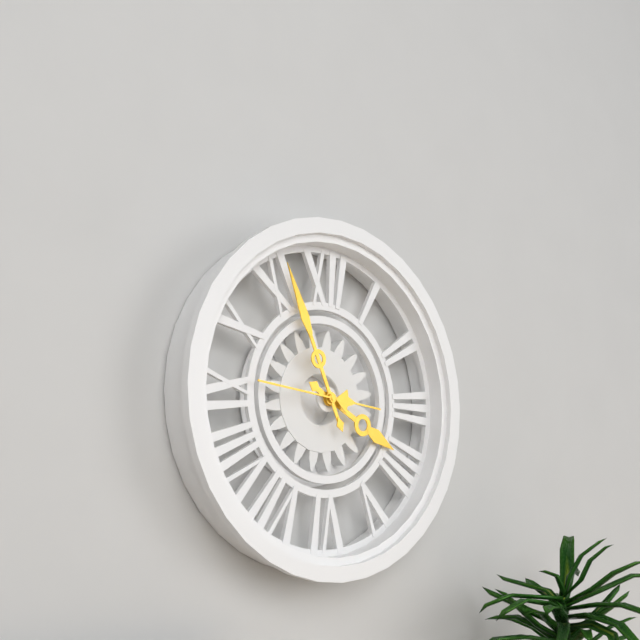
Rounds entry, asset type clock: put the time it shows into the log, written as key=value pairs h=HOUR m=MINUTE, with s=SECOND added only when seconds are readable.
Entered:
h=3 m=56 s=46
